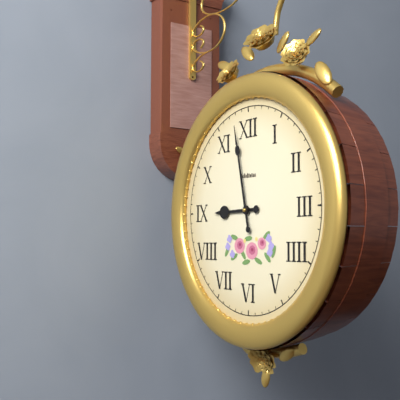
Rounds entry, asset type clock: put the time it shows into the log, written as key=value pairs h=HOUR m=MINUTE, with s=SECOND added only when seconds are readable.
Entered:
h=8 m=58
